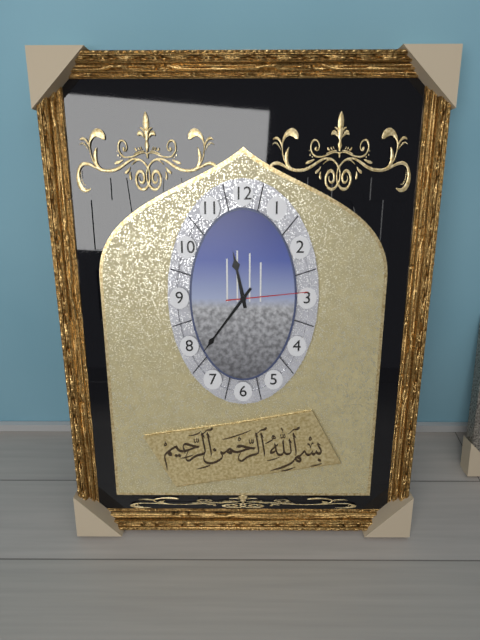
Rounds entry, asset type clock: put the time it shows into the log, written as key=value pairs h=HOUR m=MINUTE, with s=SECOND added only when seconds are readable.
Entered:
h=11 m=36 s=14
